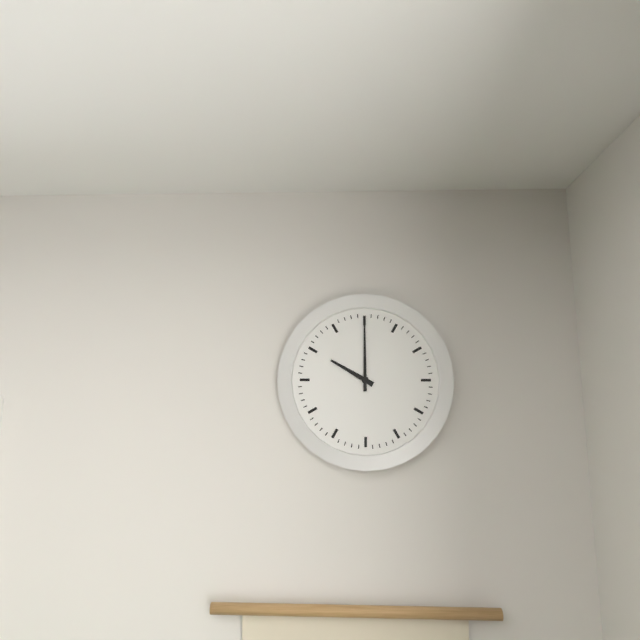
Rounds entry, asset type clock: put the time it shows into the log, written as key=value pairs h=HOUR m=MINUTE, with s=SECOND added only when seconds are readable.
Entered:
h=10 m=0
